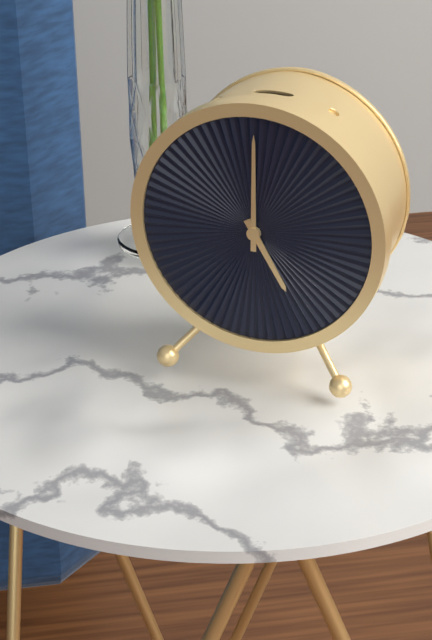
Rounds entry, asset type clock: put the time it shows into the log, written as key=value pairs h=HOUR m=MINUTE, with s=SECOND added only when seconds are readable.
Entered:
h=5 m=0
